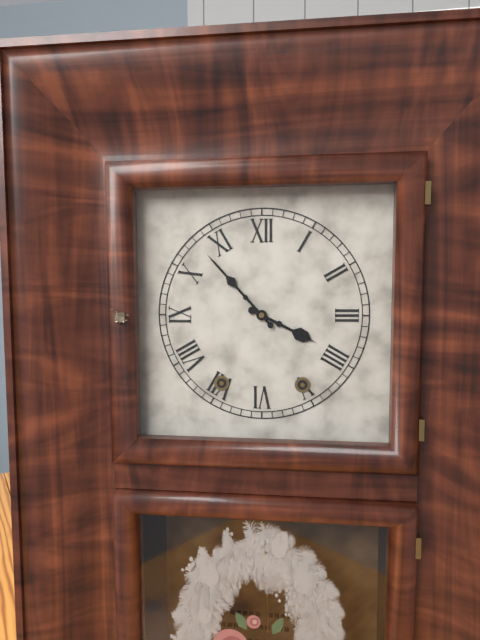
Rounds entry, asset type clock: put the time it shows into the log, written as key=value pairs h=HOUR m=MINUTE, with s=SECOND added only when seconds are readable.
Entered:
h=3 m=53
